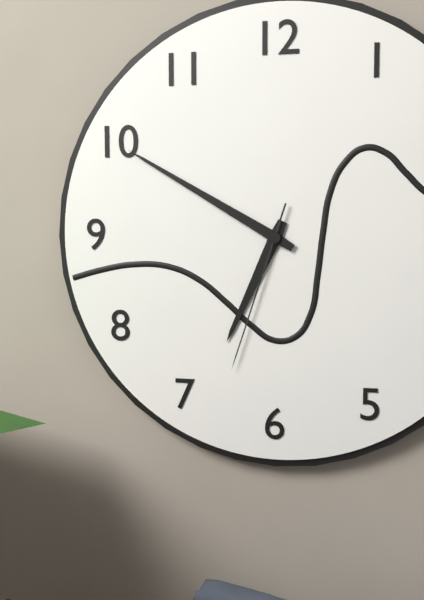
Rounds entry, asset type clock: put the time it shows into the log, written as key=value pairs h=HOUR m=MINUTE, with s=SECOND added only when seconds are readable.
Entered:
h=6 m=50 s=33
